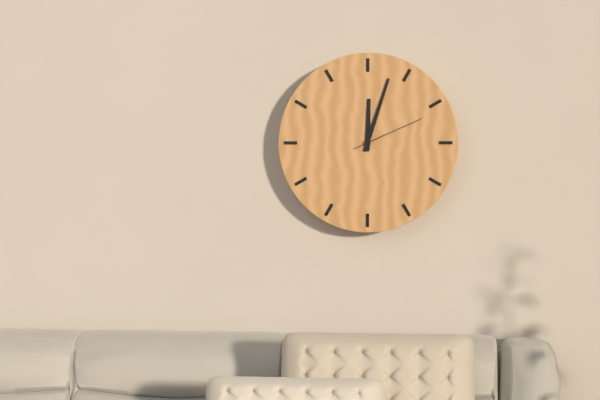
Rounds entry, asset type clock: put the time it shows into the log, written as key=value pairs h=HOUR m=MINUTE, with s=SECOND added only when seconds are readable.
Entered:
h=12 m=3 s=11
